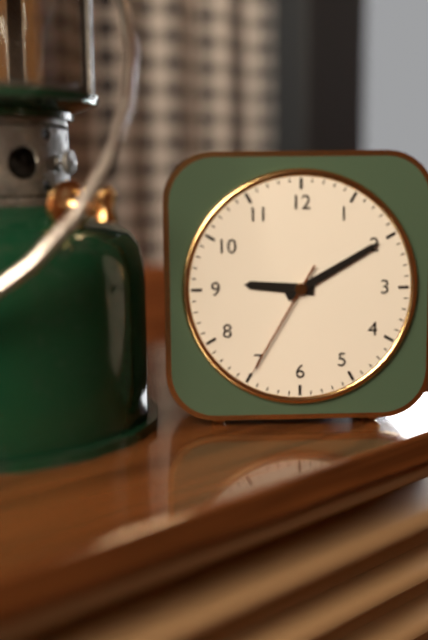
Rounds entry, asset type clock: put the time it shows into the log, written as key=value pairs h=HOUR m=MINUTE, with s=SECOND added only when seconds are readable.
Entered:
h=9 m=10 s=35
